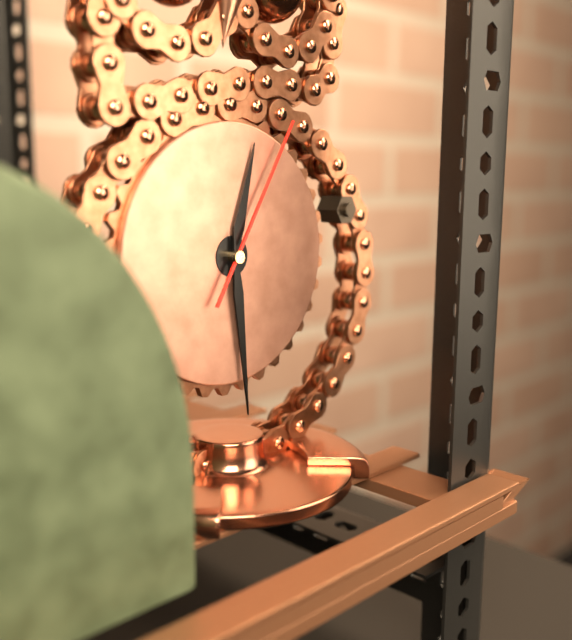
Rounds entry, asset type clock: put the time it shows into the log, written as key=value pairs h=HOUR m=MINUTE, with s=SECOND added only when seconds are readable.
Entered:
h=12 m=29 s=5
